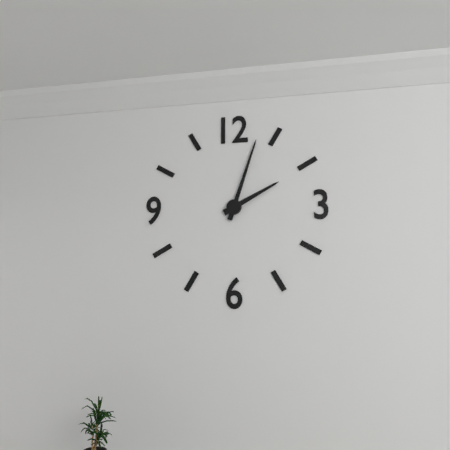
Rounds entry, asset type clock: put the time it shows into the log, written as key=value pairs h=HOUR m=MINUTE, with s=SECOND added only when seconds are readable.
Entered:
h=2 m=3
